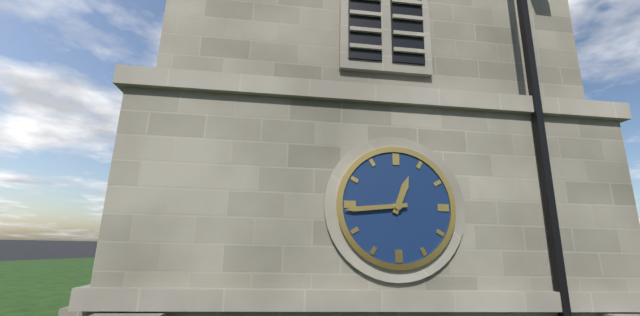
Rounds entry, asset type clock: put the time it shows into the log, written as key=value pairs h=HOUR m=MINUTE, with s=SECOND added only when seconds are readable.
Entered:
h=12 m=44
